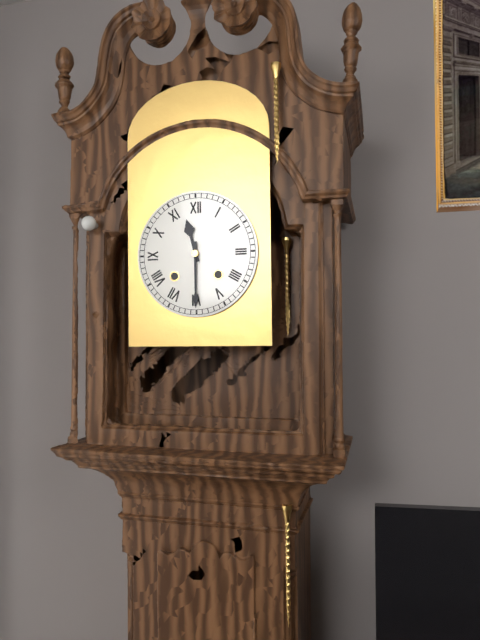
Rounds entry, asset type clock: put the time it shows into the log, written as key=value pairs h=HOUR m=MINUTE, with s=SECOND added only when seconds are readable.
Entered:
h=11 m=30
